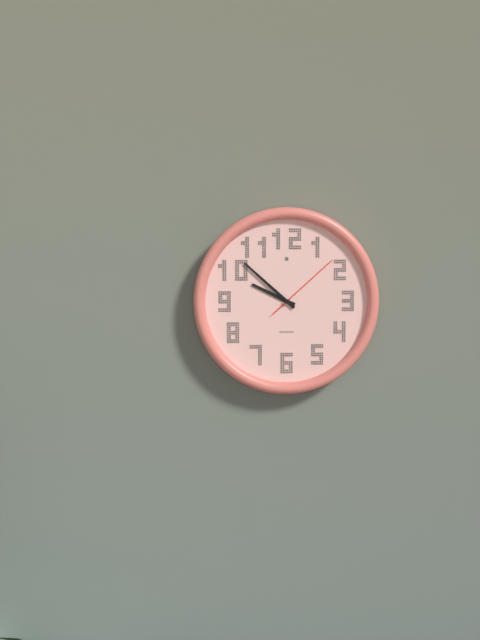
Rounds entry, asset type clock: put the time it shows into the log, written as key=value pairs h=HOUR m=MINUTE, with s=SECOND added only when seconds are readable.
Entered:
h=9 m=52 s=8
